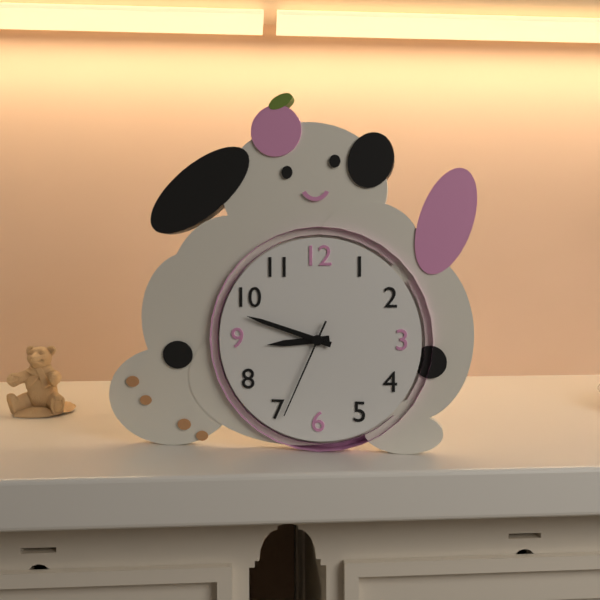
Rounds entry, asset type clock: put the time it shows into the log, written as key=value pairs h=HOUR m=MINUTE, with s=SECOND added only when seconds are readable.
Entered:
h=8 m=48 s=34
